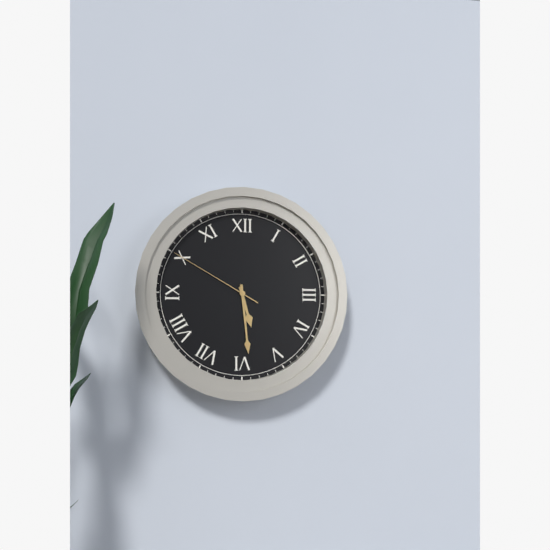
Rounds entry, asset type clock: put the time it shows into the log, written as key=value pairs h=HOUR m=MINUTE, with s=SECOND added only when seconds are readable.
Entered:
h=5 m=29 s=50
